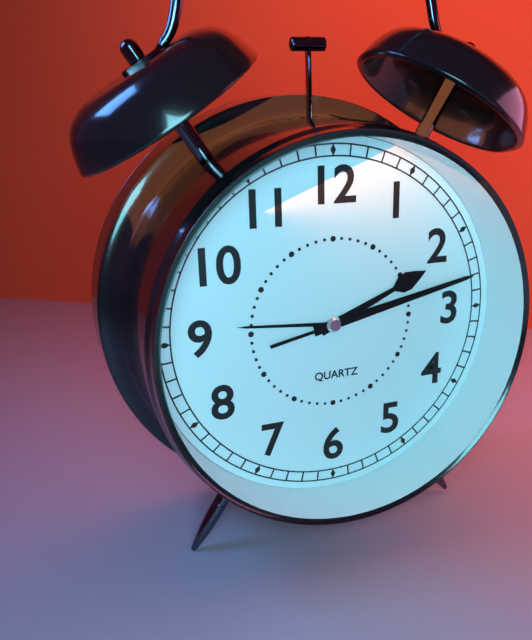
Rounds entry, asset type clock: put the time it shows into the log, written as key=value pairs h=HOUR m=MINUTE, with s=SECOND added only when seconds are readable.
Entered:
h=2 m=13 s=13
